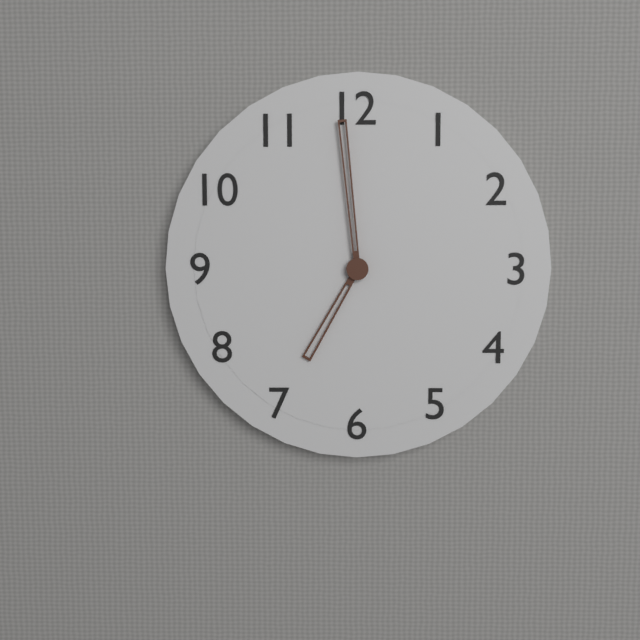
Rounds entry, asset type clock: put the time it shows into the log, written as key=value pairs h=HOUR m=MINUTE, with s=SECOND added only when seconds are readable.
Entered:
h=6 m=59
